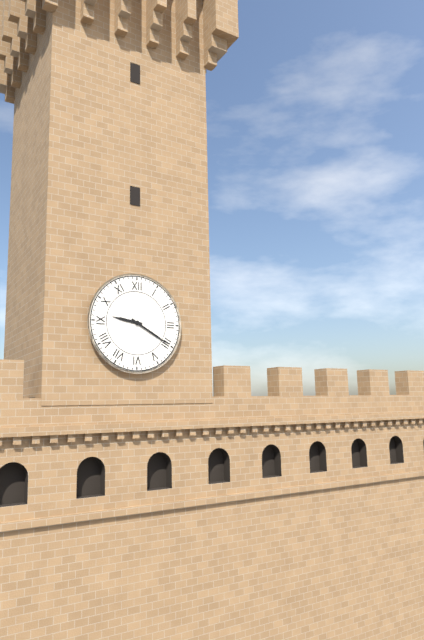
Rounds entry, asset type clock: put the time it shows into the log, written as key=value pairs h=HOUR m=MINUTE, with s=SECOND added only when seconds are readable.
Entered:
h=9 m=20
